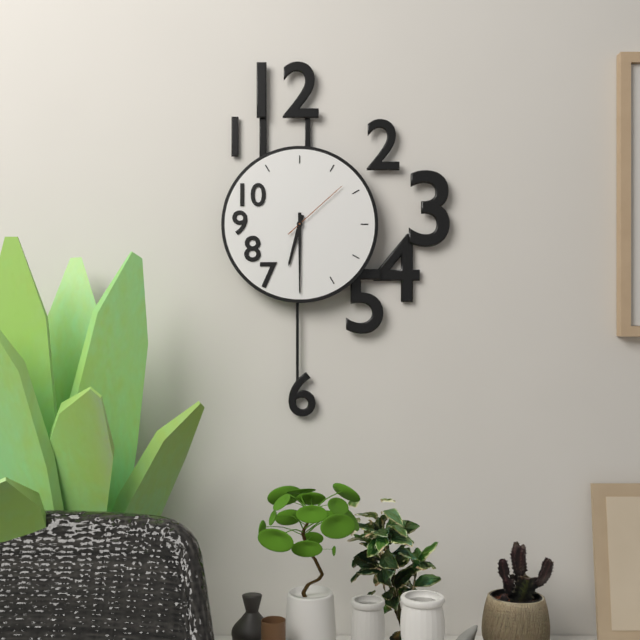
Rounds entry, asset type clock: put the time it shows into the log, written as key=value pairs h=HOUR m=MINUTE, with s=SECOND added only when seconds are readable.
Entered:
h=6 m=30 s=8
